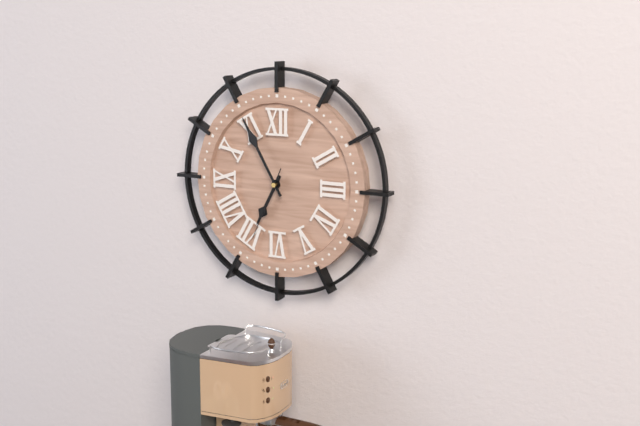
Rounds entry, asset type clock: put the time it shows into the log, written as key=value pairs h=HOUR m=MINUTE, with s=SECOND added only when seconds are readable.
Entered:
h=6 m=55 s=34
